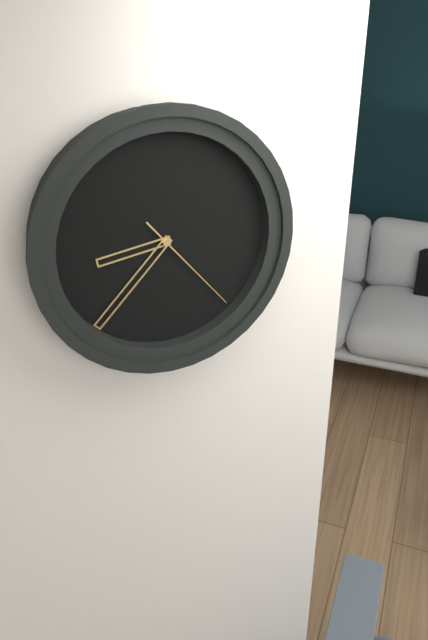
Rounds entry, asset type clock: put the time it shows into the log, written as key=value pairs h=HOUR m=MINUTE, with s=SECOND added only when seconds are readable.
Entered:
h=8 m=37 s=23
